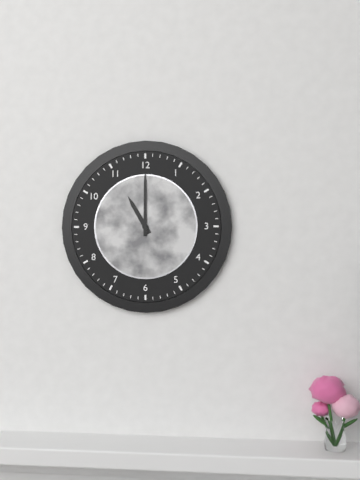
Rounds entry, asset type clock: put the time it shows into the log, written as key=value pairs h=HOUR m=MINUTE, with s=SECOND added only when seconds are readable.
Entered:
h=11 m=0
